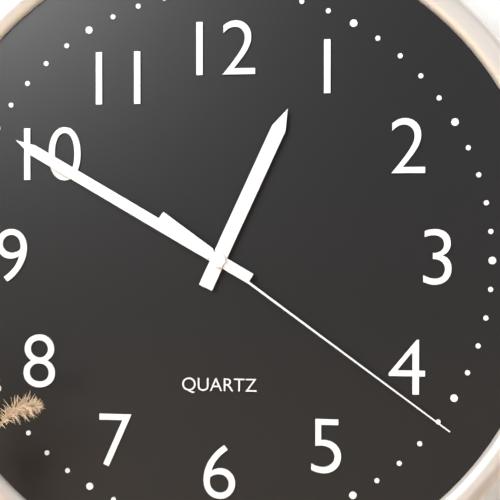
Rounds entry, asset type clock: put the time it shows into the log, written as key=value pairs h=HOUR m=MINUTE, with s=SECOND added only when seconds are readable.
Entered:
h=12 m=50 s=21
